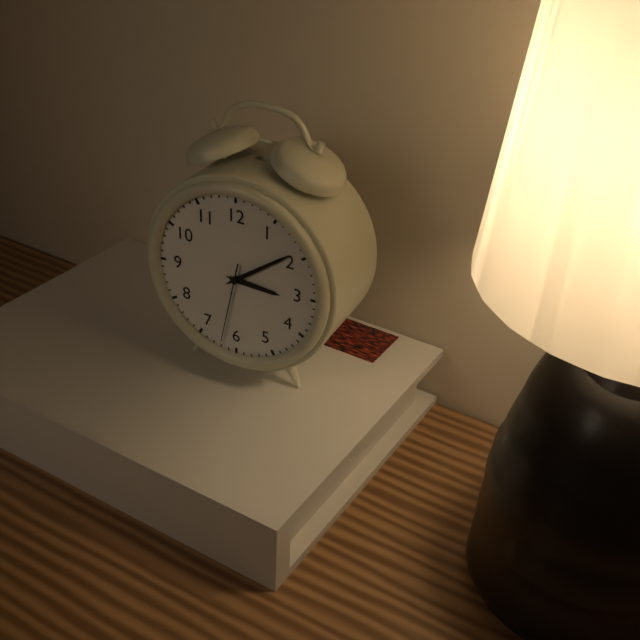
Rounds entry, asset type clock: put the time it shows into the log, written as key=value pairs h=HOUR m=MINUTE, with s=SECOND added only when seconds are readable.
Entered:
h=3 m=9 s=32
